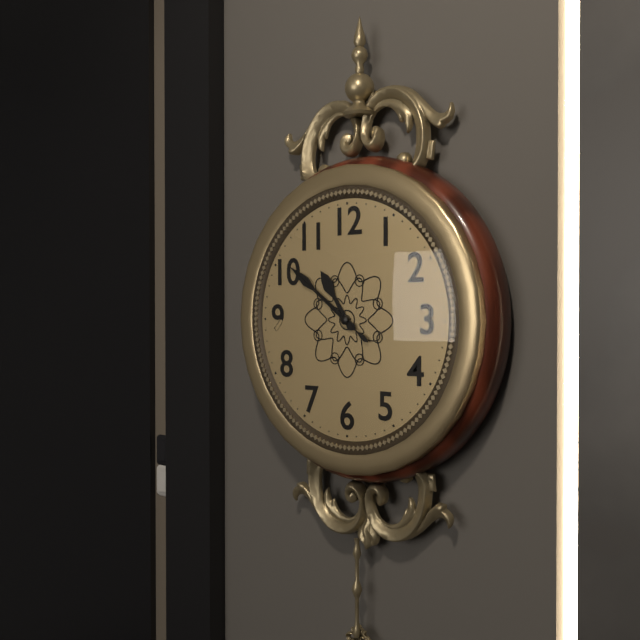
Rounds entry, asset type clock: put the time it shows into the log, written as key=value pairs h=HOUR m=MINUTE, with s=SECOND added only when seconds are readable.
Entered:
h=10 m=51 s=51
